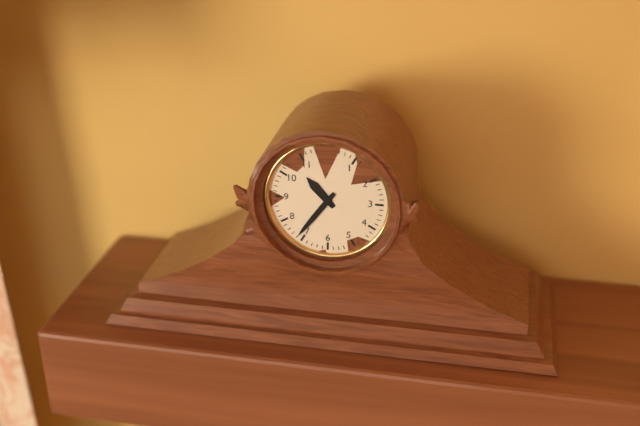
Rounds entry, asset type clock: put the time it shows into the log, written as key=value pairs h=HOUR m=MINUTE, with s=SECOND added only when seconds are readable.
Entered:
h=10 m=36
